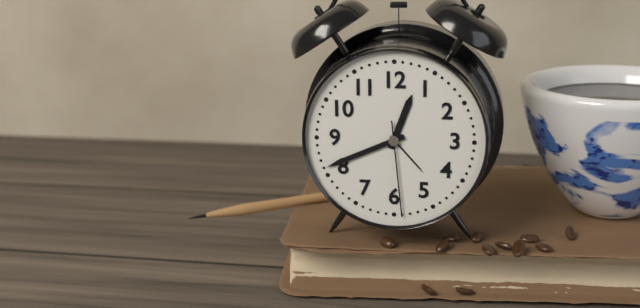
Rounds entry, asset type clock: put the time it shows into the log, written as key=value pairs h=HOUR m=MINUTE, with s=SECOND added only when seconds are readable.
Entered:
h=12 m=41 s=29
